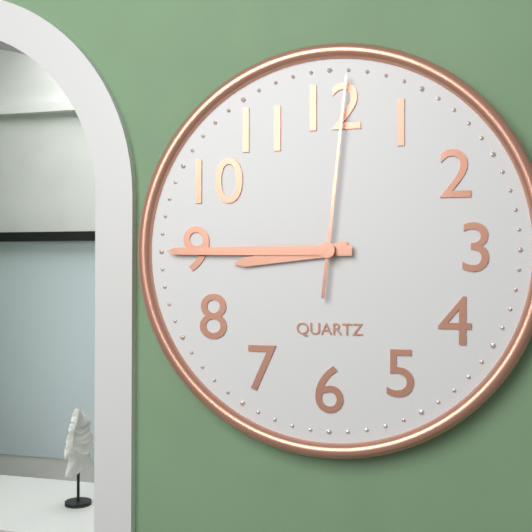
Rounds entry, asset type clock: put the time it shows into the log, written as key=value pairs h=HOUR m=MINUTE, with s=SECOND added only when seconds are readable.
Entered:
h=8 m=45 s=1
